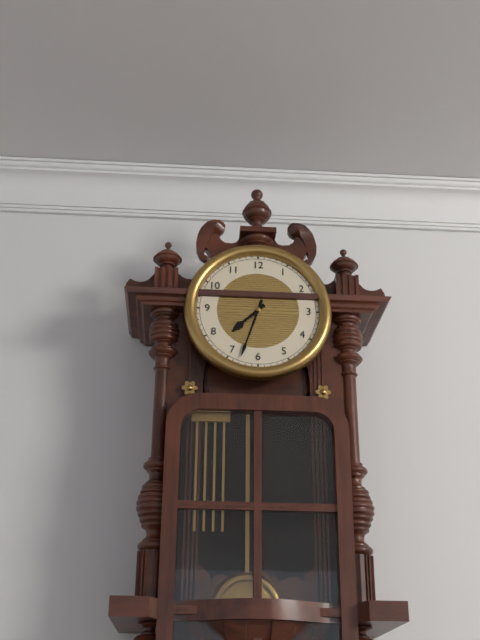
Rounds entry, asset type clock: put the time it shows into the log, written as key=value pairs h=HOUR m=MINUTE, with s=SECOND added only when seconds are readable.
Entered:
h=7 m=33
